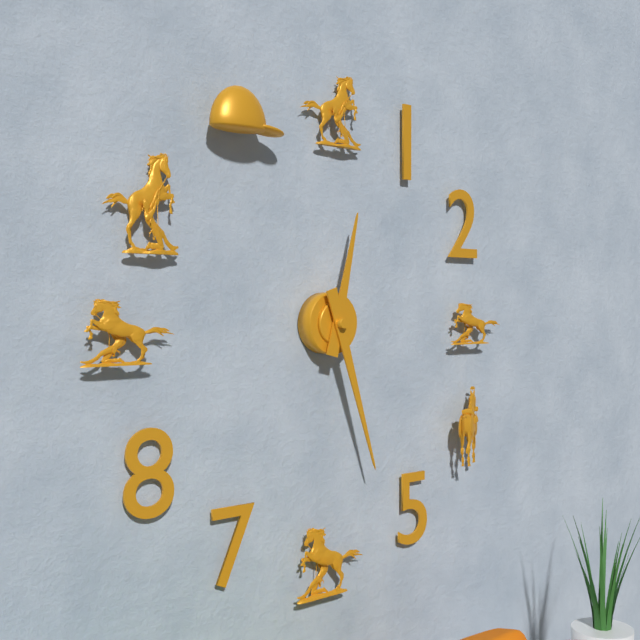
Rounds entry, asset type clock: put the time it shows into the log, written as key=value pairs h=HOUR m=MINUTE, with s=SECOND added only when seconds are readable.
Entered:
h=12 m=27
